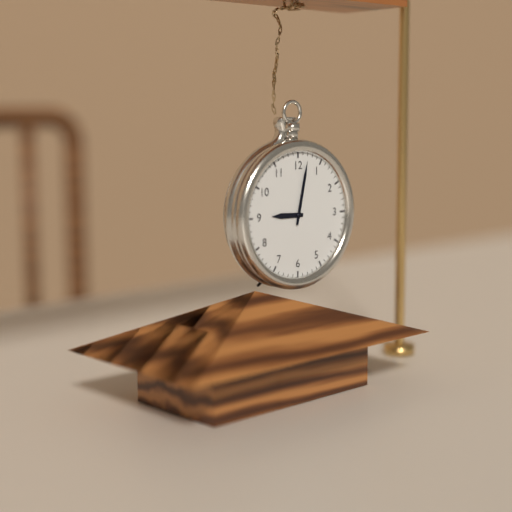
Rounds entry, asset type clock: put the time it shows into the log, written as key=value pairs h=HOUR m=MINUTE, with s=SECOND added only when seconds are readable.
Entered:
h=9 m=2
